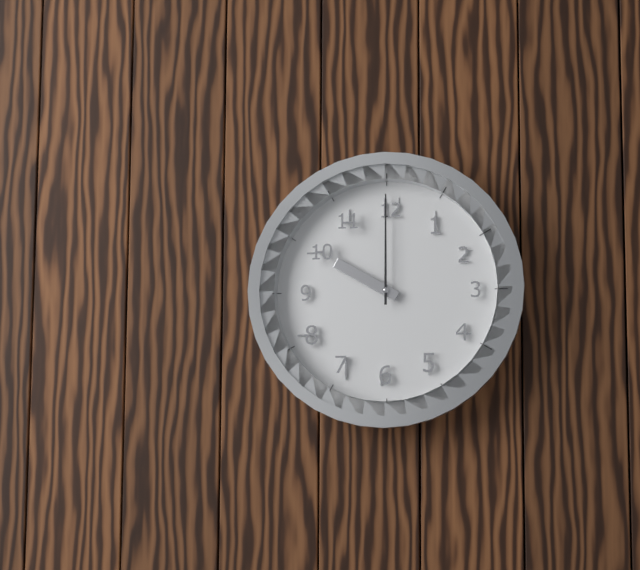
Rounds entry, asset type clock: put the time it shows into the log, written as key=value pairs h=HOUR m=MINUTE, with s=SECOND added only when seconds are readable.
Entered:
h=10 m=0
